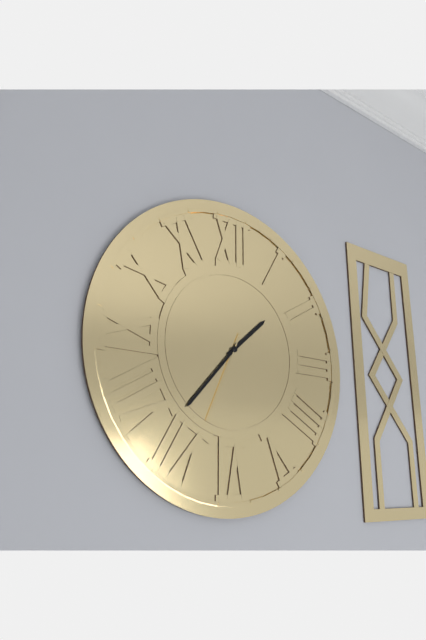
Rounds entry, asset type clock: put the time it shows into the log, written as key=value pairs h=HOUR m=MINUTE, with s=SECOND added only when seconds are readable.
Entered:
h=1 m=37 s=34
